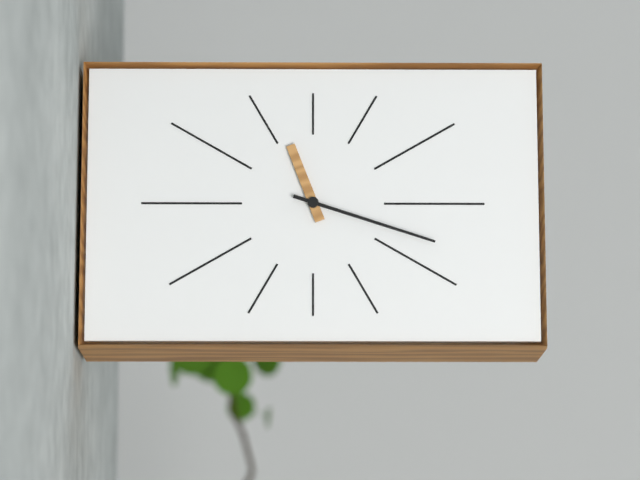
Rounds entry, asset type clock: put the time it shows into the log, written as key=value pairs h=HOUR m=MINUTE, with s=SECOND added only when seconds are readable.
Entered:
h=11 m=18
